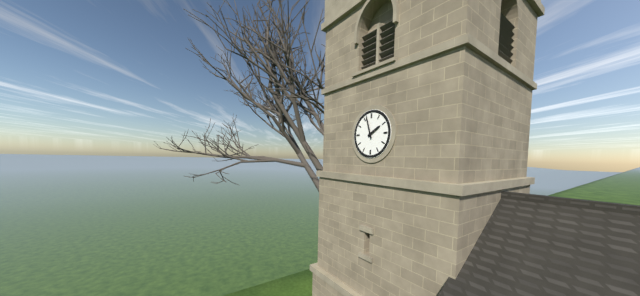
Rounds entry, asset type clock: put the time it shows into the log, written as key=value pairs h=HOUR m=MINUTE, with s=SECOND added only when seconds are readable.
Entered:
h=1 m=57
